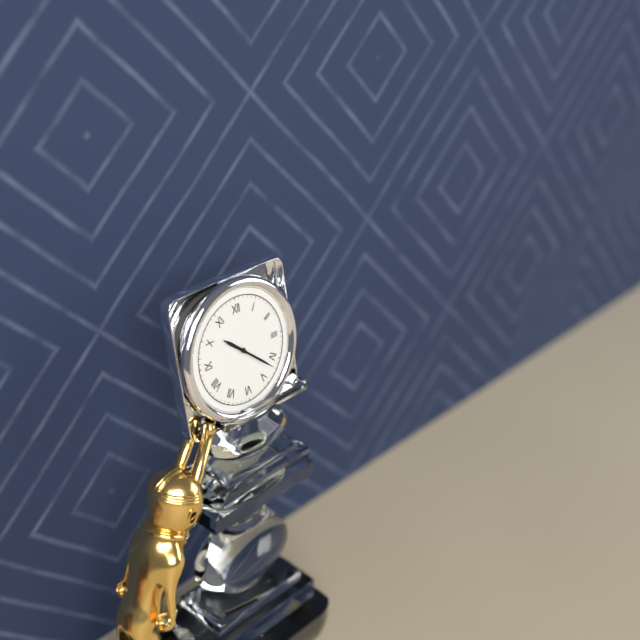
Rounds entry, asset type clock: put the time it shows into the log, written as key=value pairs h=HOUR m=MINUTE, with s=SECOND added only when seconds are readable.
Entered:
h=10 m=22
